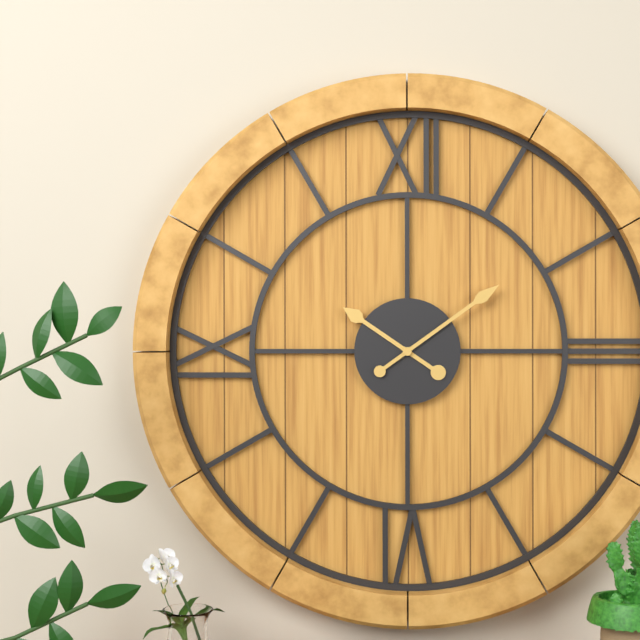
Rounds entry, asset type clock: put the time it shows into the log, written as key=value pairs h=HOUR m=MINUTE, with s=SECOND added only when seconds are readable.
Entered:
h=10 m=9
